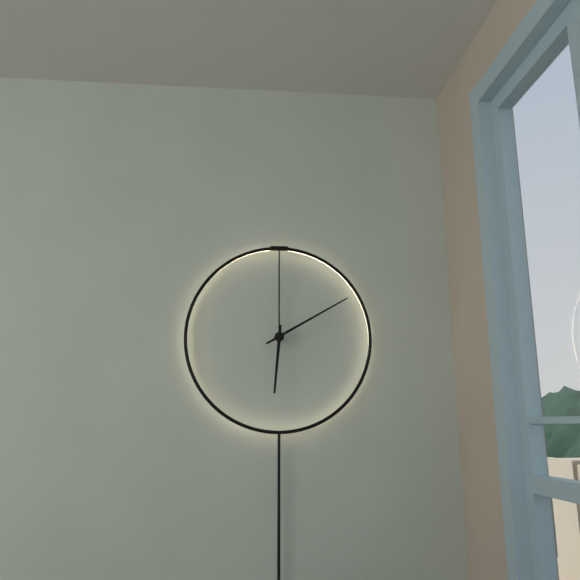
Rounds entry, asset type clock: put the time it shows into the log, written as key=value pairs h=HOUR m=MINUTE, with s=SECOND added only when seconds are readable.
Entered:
h=6 m=10
